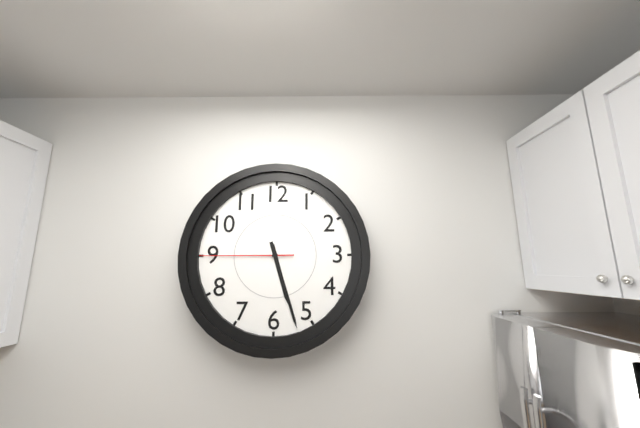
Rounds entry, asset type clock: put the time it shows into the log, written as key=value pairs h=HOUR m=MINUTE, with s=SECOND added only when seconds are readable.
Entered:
h=5 m=27 s=45
